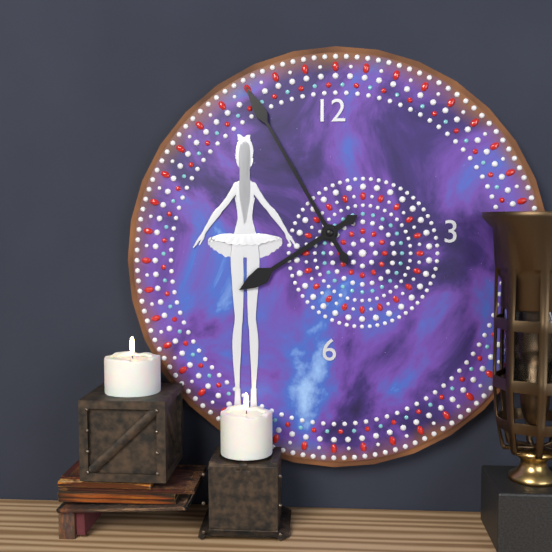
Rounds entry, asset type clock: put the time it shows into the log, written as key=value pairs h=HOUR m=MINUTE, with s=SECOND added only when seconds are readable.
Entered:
h=7 m=55
